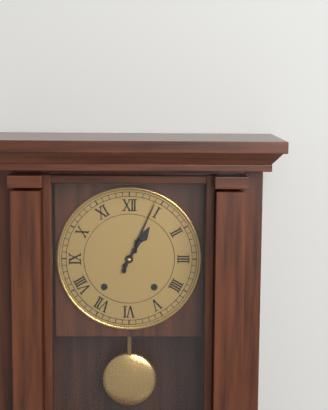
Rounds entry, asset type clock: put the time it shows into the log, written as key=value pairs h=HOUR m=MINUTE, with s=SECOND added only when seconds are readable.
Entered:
h=1 m=4
